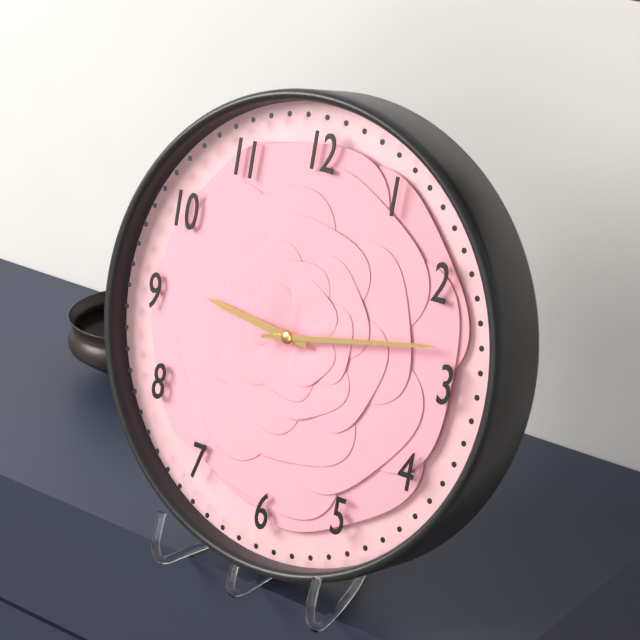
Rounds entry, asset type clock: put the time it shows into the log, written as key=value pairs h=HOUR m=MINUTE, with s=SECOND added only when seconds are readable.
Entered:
h=9 m=13
